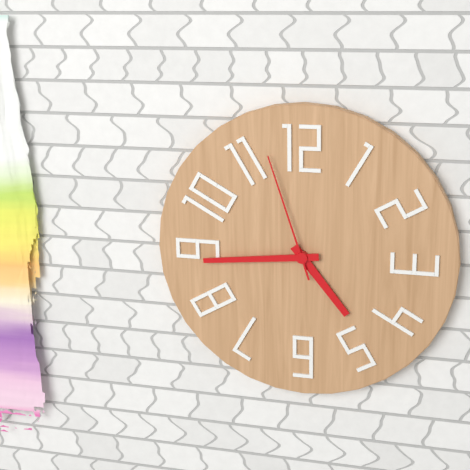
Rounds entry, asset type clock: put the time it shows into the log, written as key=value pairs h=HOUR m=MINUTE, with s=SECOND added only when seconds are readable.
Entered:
h=4 m=44 s=57
